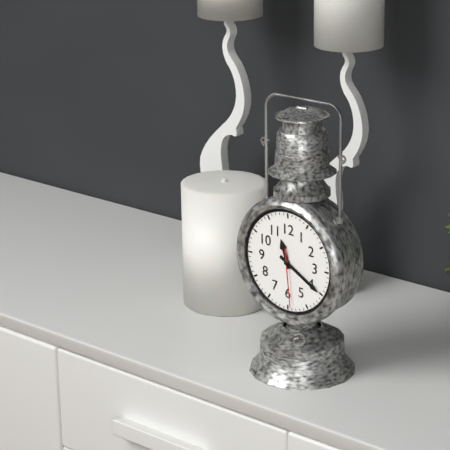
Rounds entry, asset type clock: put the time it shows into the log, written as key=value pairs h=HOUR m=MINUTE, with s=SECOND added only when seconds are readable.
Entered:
h=11 m=20 s=29
